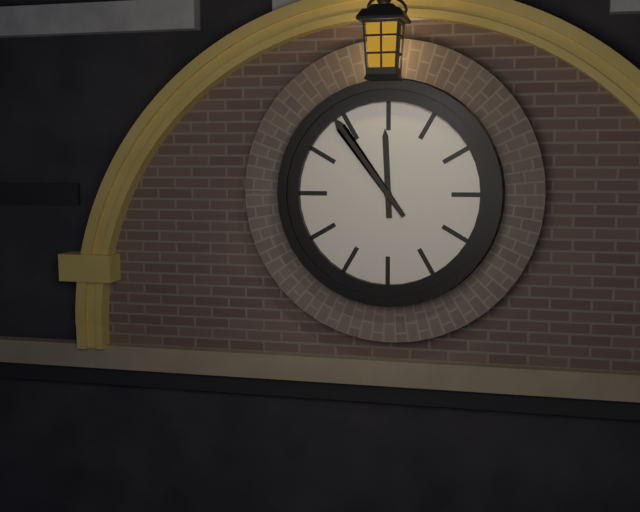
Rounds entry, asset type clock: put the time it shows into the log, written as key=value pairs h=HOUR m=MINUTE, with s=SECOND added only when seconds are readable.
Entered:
h=11 m=54
